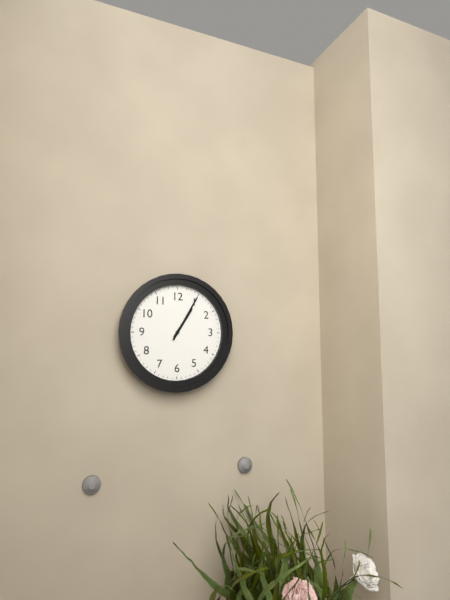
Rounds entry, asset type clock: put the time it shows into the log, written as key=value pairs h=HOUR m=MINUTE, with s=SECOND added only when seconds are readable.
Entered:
h=1 m=5
